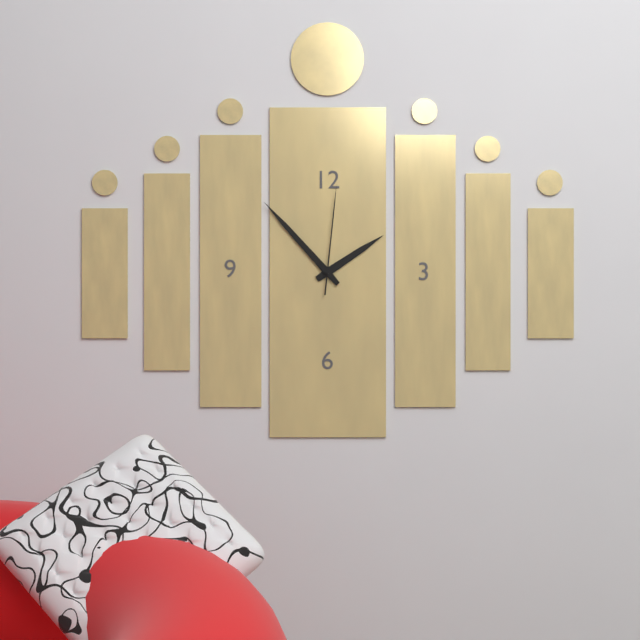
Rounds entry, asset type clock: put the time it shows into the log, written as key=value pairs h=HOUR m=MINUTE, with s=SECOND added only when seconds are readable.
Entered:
h=1 m=53 s=1
